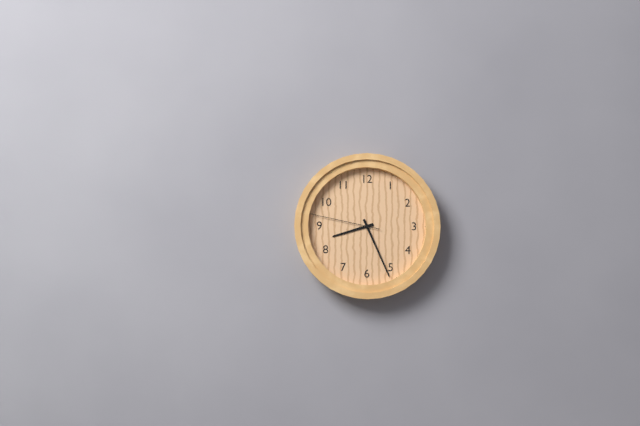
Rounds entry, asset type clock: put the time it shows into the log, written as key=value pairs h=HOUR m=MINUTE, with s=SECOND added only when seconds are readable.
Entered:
h=8 m=26 s=47
